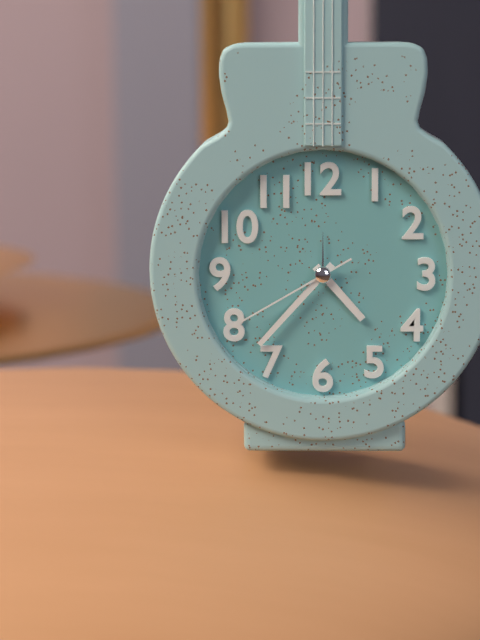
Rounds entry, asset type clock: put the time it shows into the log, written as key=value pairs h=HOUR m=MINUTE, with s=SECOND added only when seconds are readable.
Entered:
h=4 m=37 s=40
